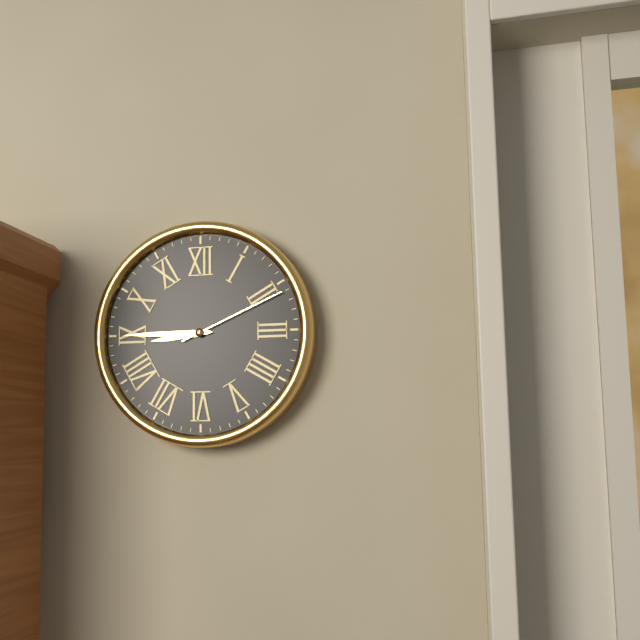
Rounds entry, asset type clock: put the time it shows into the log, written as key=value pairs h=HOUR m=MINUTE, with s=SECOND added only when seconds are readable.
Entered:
h=8 m=45 s=11
